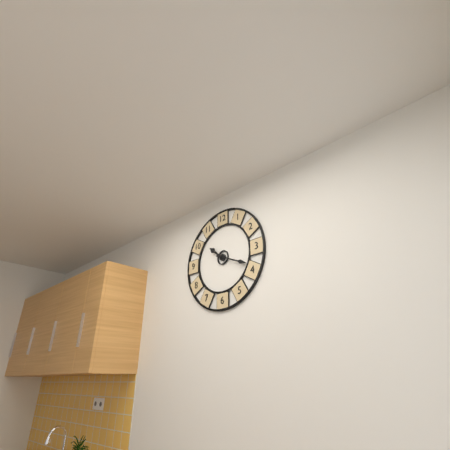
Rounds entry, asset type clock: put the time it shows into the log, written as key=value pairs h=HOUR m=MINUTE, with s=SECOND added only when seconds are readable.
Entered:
h=10 m=19
